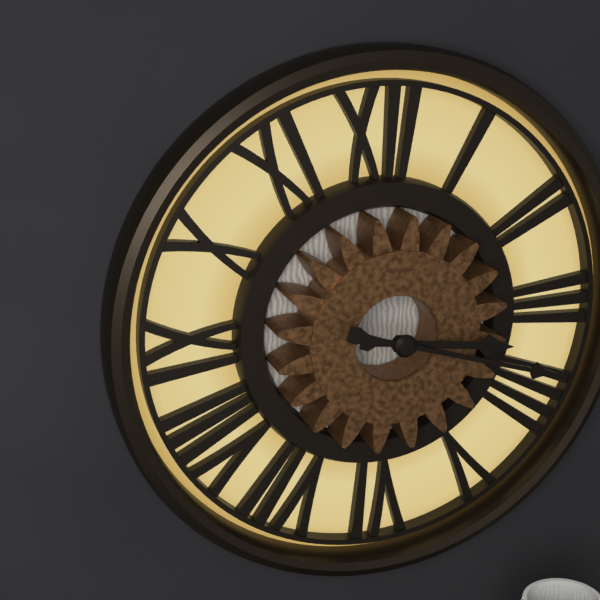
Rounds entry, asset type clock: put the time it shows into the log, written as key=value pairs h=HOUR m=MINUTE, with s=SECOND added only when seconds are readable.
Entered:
h=3 m=18
